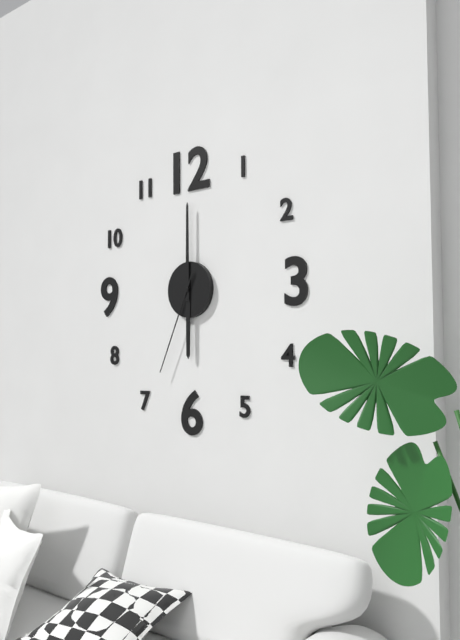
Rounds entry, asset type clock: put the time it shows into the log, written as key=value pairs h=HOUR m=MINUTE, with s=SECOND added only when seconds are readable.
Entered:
h=6 m=0 s=34
